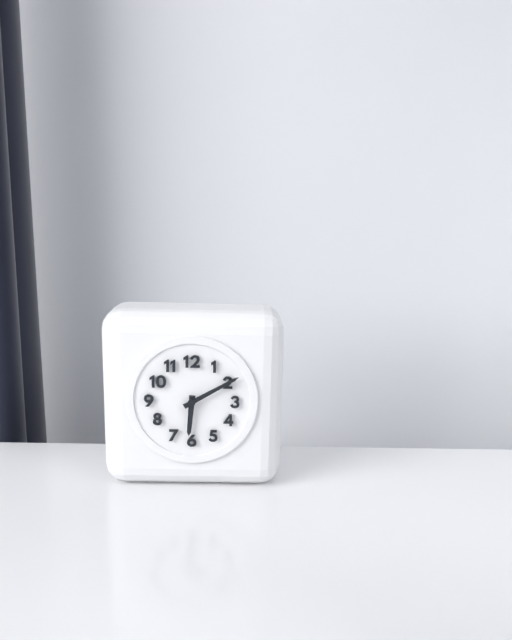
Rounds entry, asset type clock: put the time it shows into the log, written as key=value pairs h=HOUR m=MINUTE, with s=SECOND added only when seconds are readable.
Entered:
h=6 m=10
